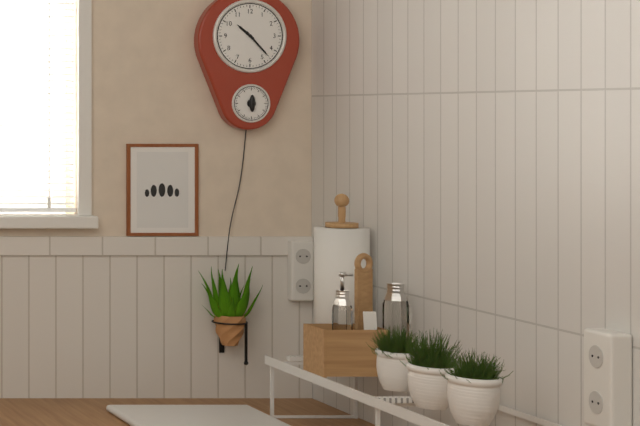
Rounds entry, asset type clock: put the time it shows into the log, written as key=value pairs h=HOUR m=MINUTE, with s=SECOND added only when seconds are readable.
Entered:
h=10 m=23
